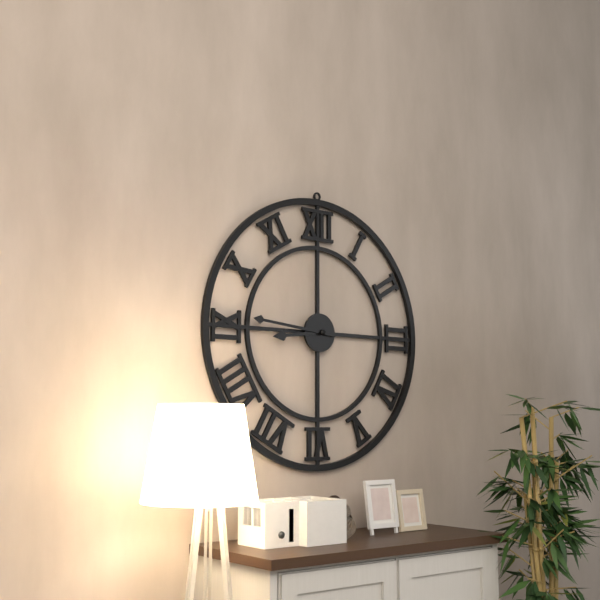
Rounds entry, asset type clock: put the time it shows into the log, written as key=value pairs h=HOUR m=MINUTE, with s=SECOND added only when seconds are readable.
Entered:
h=8 m=46
